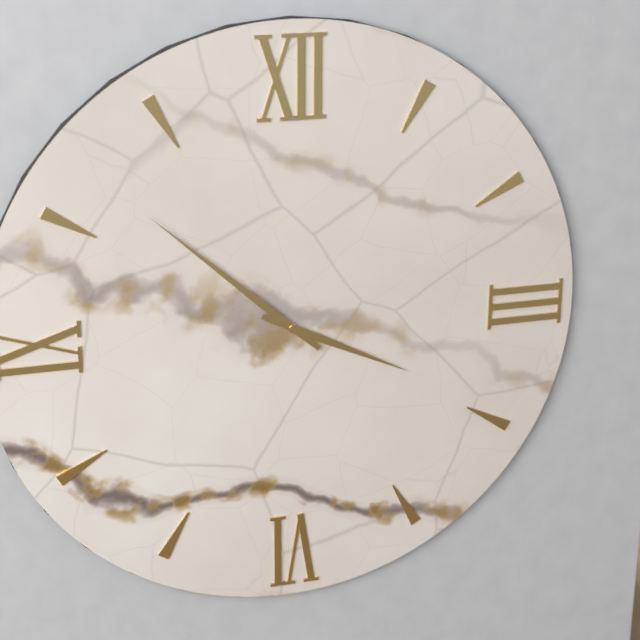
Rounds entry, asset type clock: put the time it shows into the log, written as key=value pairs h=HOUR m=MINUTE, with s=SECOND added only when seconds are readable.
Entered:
h=3 m=52
